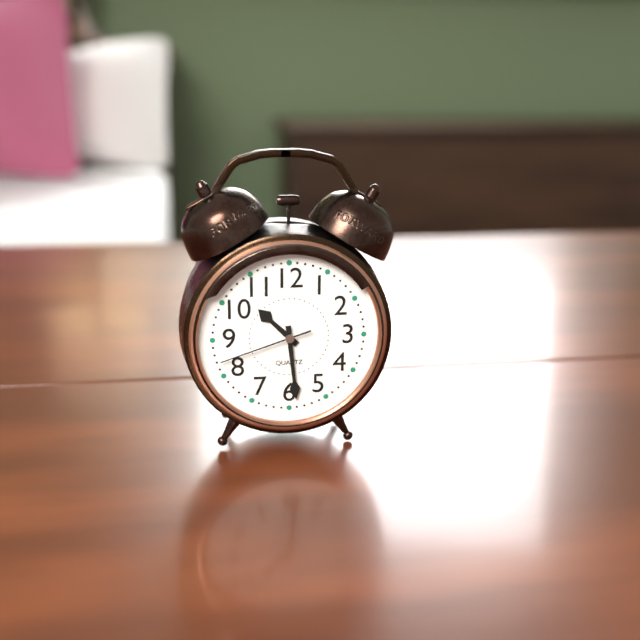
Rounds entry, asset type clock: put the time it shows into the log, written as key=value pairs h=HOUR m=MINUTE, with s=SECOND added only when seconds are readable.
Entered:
h=10 m=29 s=42
